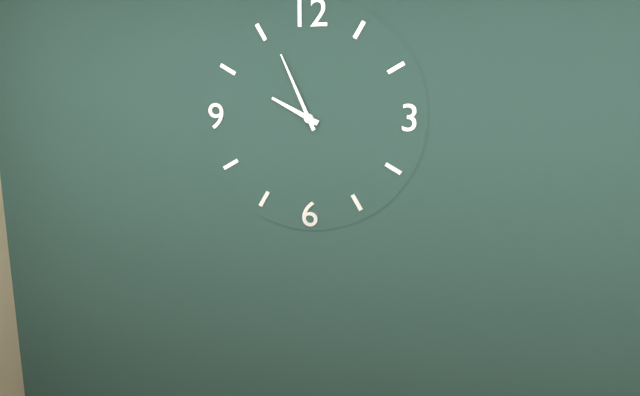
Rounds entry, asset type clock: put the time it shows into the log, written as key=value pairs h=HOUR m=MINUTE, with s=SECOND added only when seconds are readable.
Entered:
h=9 m=56
